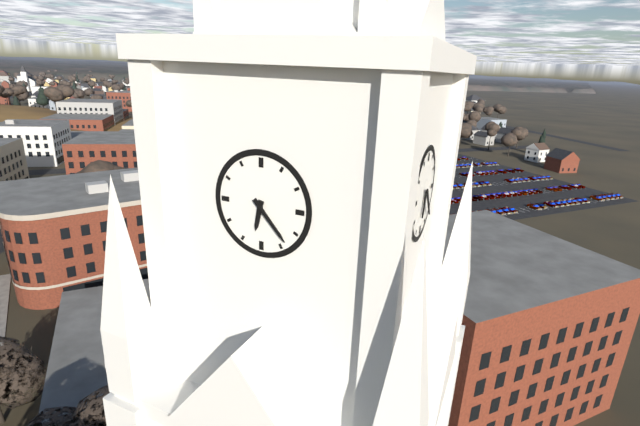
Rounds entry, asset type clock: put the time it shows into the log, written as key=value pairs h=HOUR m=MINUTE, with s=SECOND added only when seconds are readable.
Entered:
h=6 m=23
